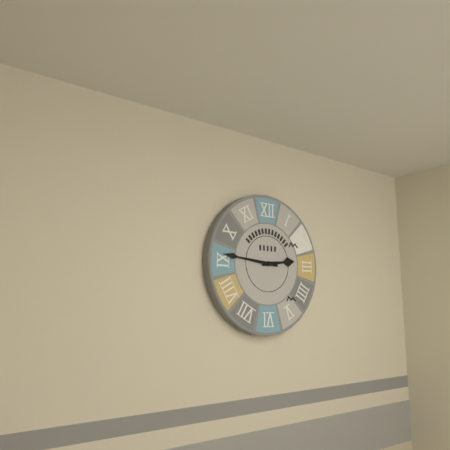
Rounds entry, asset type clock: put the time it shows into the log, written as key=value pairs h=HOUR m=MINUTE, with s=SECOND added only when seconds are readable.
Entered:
h=2 m=46
